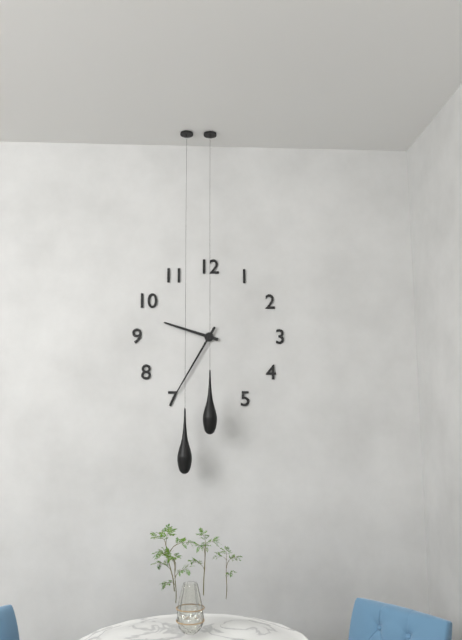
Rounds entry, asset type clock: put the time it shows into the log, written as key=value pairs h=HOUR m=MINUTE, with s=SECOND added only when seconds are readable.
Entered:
h=9 m=35
